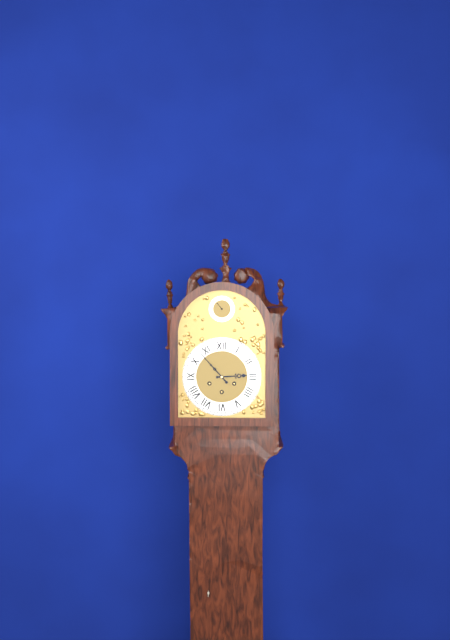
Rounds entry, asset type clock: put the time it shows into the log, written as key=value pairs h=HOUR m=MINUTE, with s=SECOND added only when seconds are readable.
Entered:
h=2 m=53
